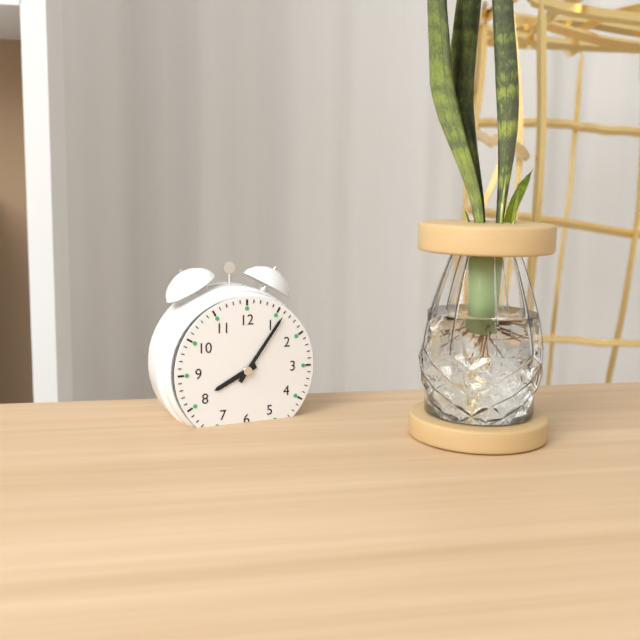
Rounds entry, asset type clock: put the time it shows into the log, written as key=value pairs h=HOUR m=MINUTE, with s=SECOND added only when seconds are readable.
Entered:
h=8 m=6
